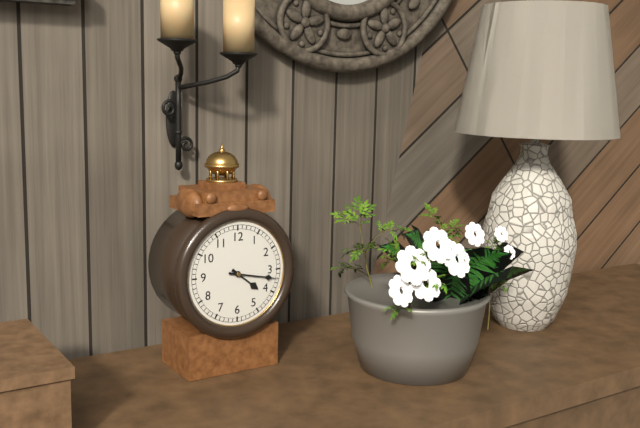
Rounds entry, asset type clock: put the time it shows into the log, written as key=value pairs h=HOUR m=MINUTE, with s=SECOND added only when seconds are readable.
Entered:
h=4 m=17
